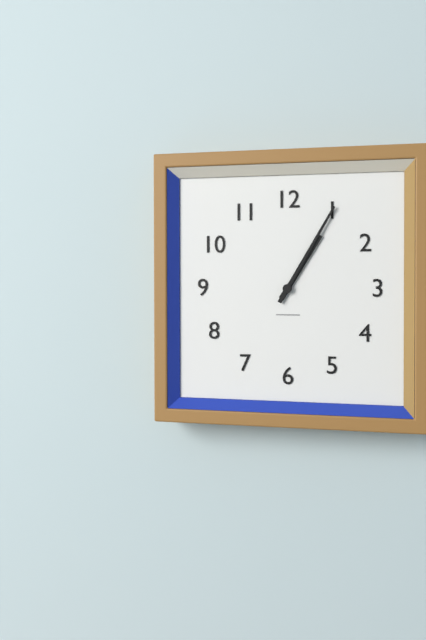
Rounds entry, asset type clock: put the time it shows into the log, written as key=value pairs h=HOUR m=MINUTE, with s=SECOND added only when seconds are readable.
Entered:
h=1 m=5
